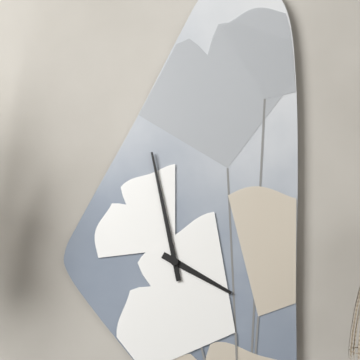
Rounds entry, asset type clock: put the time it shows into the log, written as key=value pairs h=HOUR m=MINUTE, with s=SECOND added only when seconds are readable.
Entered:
h=3 m=58
